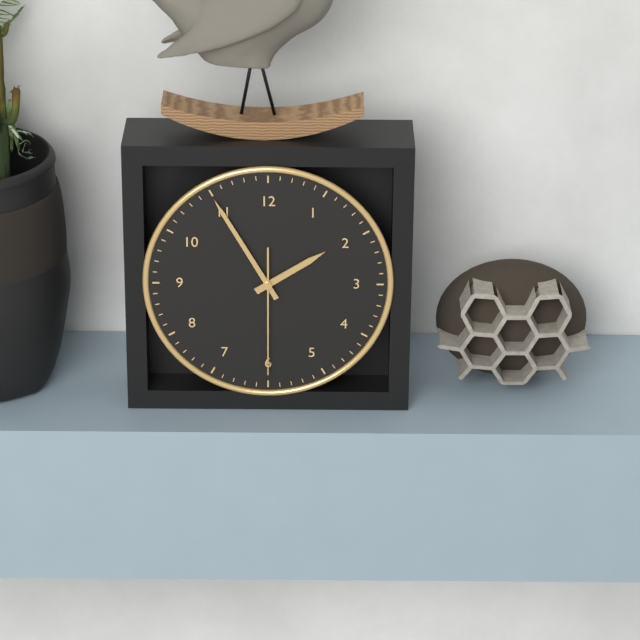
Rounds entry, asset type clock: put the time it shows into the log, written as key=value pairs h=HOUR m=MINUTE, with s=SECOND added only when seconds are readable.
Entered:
h=1 m=55 s=30
